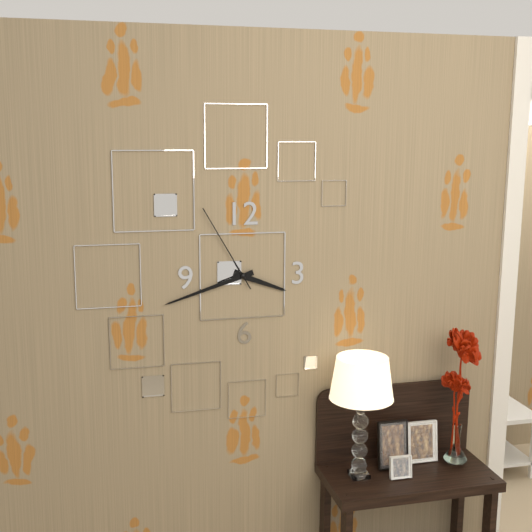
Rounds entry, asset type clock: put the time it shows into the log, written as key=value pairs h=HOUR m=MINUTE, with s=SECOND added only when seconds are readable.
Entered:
h=3 m=42 s=55
